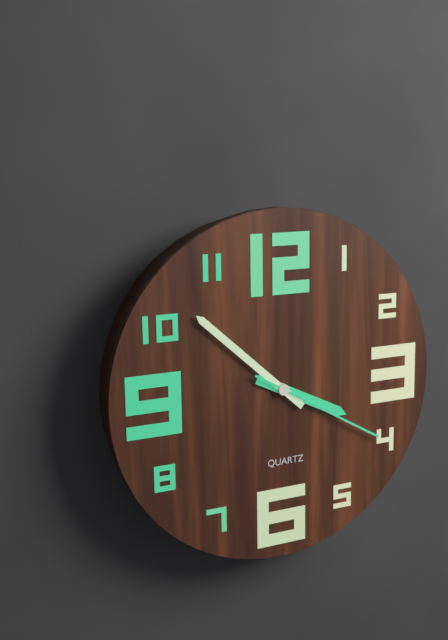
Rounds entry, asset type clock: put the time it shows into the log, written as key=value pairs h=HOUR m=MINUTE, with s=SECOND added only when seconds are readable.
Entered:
h=3 m=52 s=20
